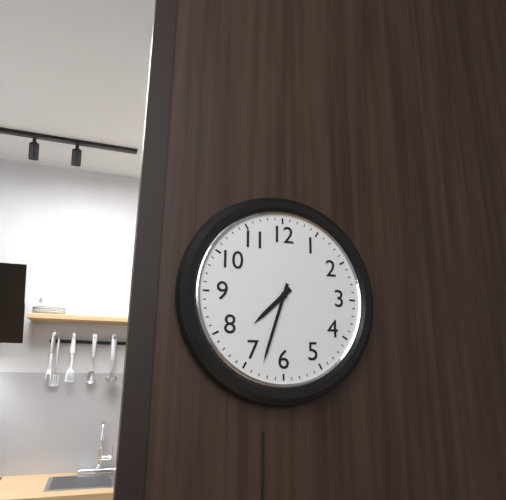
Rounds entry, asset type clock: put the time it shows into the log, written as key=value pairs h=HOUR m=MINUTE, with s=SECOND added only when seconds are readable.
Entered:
h=7 m=33
